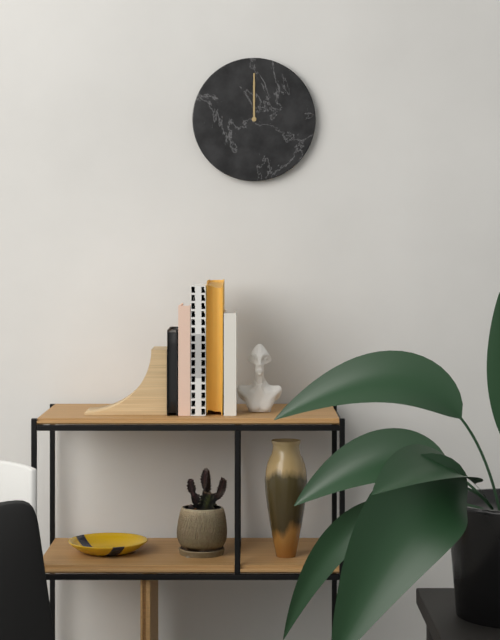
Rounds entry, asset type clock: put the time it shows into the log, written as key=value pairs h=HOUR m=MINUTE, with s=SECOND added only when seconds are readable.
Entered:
h=12 m=0
